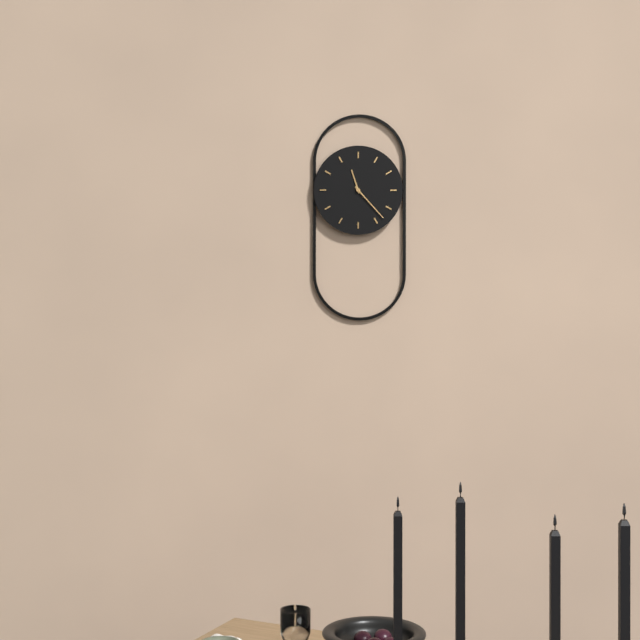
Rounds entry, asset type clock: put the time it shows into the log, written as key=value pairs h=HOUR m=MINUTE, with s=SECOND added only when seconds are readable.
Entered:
h=11 m=23
